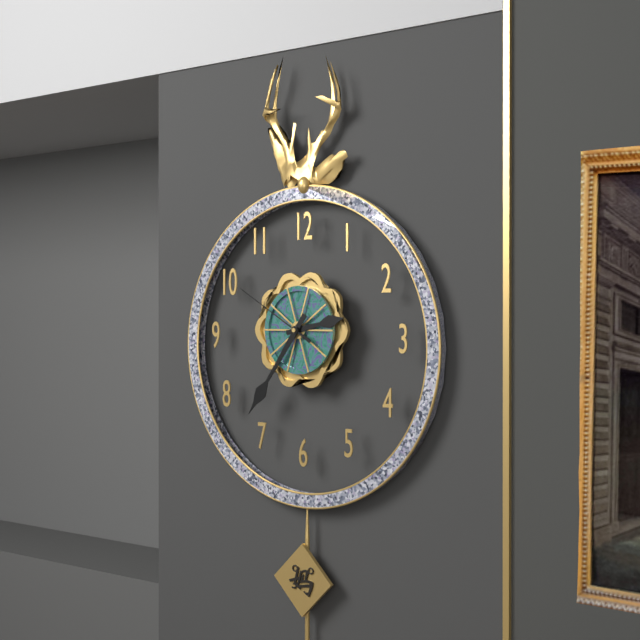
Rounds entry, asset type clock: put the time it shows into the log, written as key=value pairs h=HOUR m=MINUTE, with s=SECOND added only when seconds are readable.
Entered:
h=2 m=36 s=50
